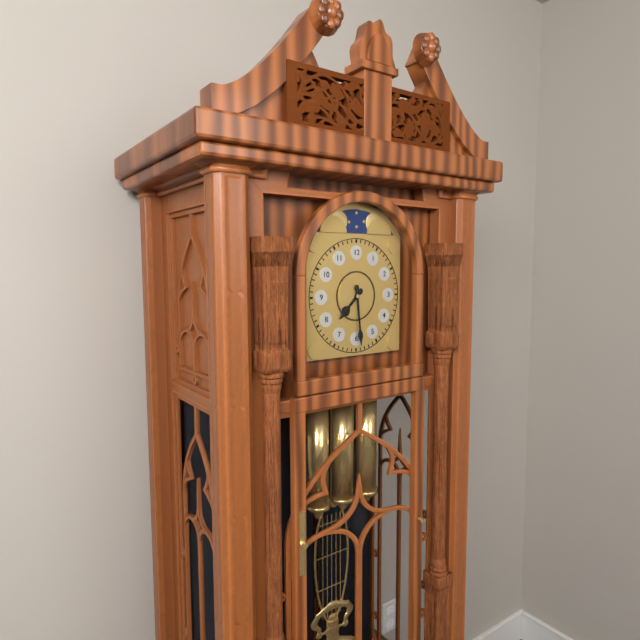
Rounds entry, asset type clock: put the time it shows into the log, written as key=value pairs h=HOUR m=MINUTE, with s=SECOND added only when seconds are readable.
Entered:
h=7 m=29
